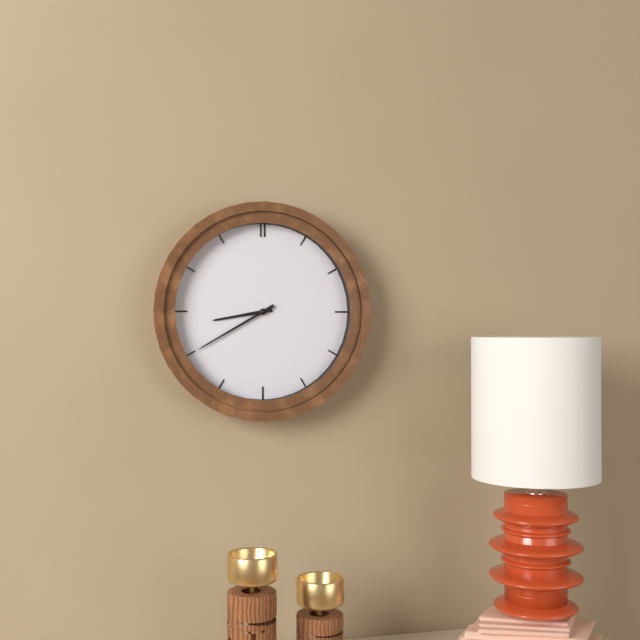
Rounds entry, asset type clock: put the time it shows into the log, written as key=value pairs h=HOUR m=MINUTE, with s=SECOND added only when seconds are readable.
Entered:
h=8 m=40
